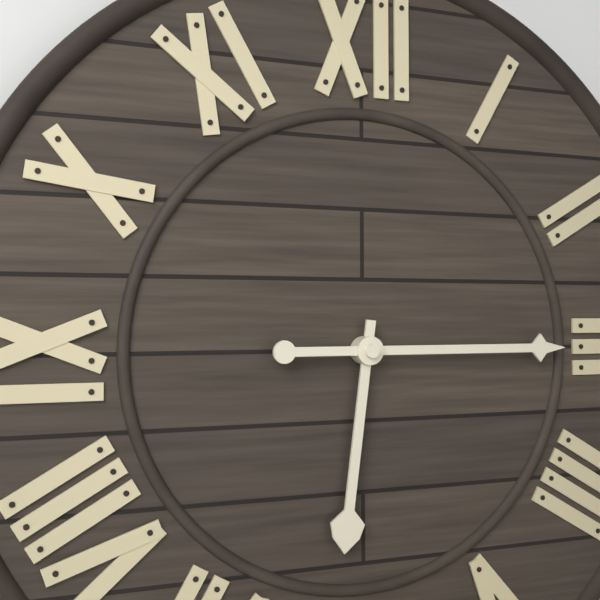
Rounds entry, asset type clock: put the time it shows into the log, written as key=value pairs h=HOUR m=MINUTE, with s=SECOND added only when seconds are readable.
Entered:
h=6 m=15
